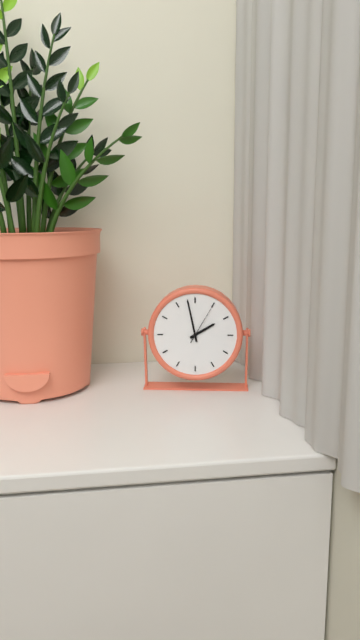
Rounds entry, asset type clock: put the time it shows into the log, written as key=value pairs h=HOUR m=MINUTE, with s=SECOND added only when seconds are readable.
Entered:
h=1 m=58
